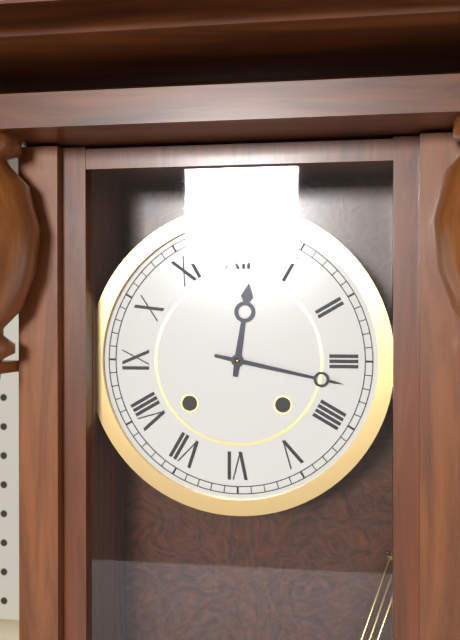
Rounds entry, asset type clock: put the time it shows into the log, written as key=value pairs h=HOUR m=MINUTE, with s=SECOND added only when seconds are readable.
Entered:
h=12 m=17
